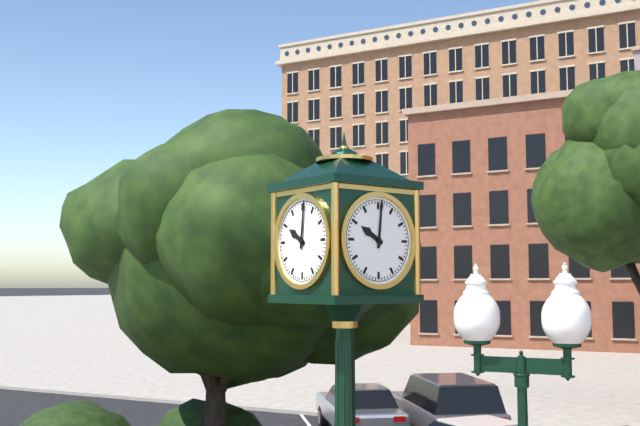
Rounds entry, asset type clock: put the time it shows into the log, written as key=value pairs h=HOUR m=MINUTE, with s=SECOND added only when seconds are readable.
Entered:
h=10 m=1
